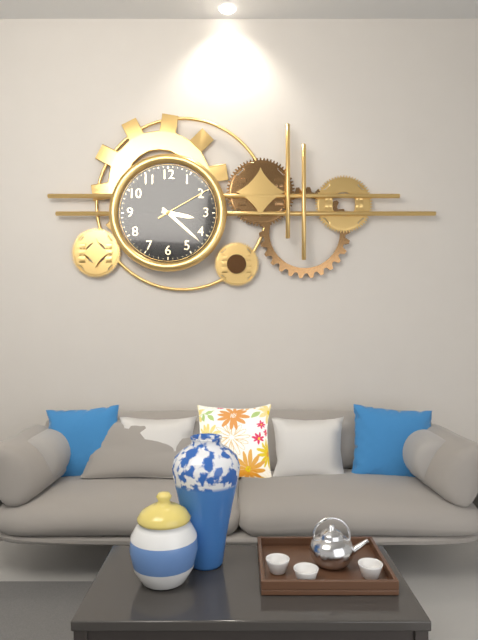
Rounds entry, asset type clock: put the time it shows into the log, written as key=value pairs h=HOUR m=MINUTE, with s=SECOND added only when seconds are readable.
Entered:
h=3 m=22 s=10
